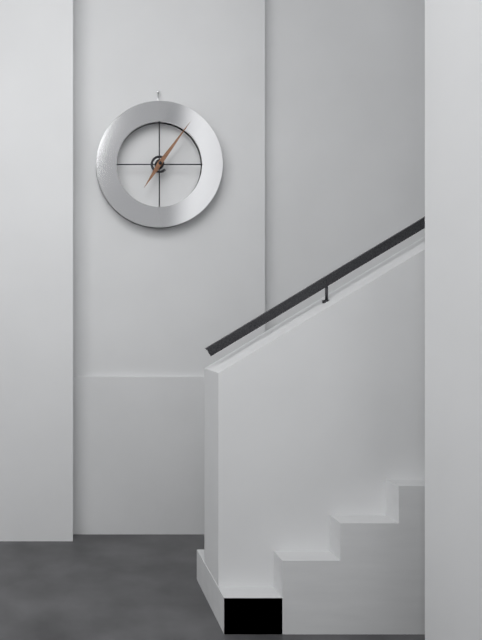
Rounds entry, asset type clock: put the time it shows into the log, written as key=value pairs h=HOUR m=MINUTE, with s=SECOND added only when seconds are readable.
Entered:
h=7 m=6
